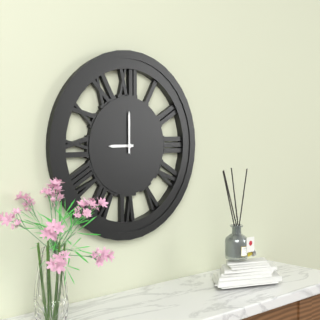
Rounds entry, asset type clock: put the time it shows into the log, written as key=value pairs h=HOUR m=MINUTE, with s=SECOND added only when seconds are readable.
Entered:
h=9 m=0
